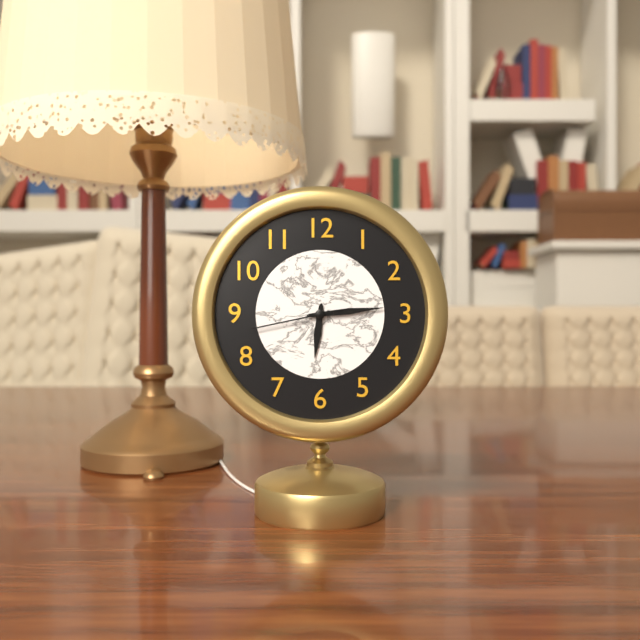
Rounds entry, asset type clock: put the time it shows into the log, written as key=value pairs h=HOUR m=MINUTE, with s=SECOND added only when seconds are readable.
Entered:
h=6 m=14 s=43
